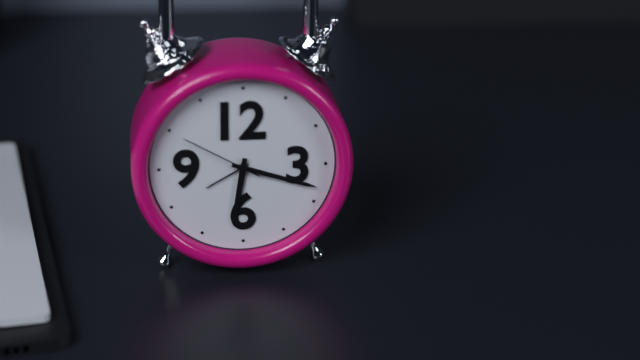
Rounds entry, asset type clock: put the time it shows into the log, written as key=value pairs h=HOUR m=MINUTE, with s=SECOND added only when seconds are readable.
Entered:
h=6 m=18 s=50
